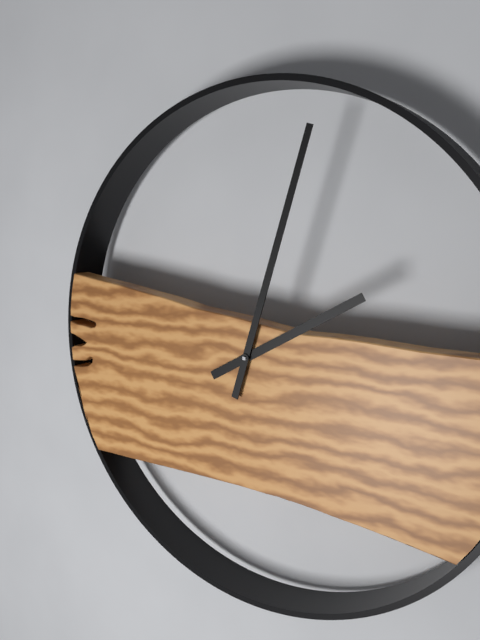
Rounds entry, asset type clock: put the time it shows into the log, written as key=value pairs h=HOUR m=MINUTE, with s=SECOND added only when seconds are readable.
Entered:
h=2 m=3
